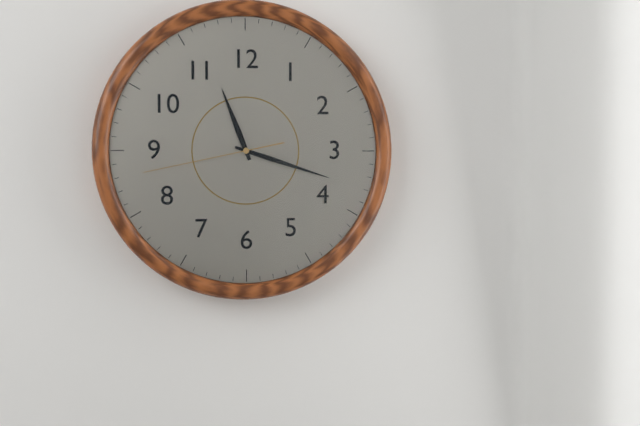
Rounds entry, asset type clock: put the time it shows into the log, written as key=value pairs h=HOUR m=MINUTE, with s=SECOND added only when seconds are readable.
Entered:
h=11 m=18 s=43
